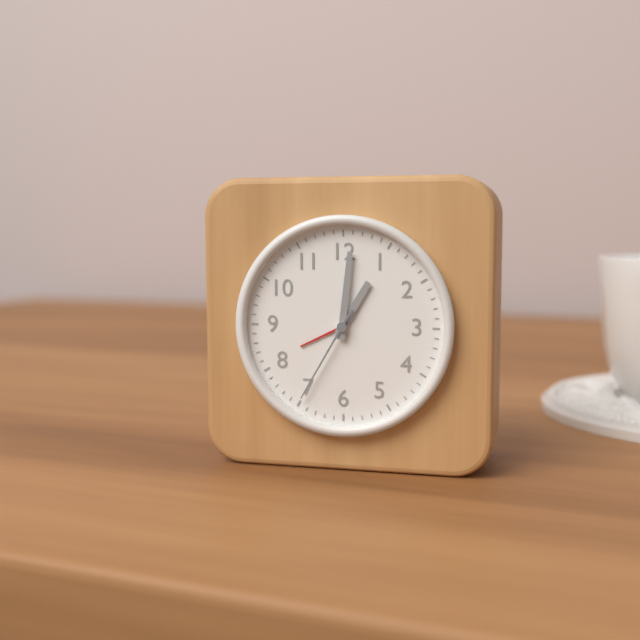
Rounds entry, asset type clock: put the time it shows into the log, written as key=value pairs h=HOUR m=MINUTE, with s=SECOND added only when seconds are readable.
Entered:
h=1 m=1 s=35
